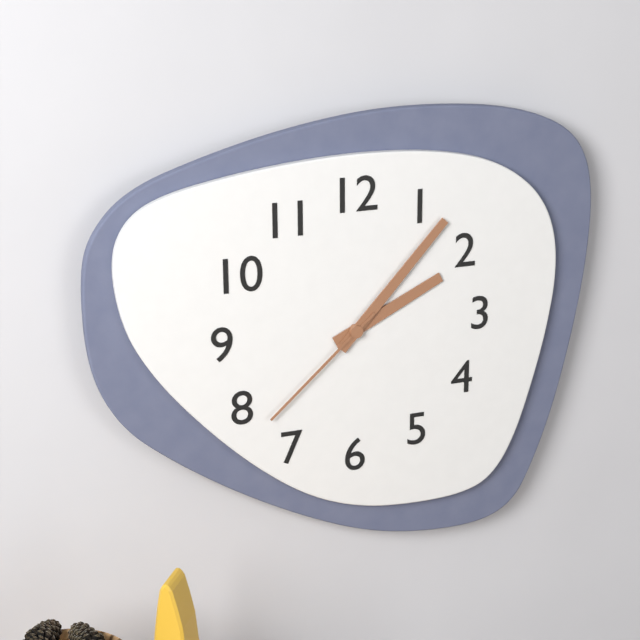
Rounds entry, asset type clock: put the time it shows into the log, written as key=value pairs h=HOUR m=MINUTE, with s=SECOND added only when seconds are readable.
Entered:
h=2 m=7 s=38
